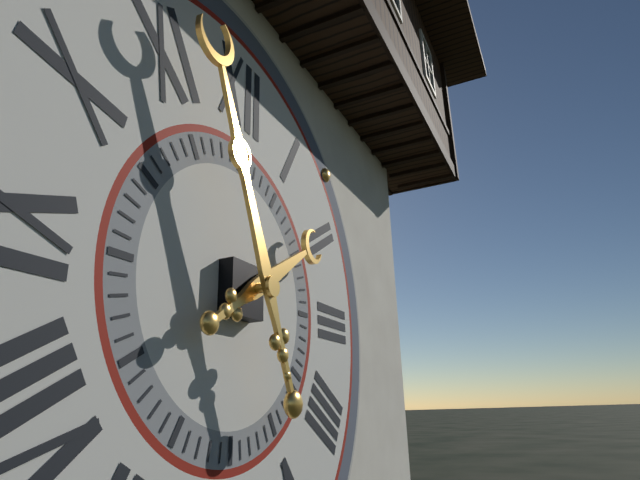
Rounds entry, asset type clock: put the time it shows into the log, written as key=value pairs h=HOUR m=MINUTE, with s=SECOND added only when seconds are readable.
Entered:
h=1 m=56
